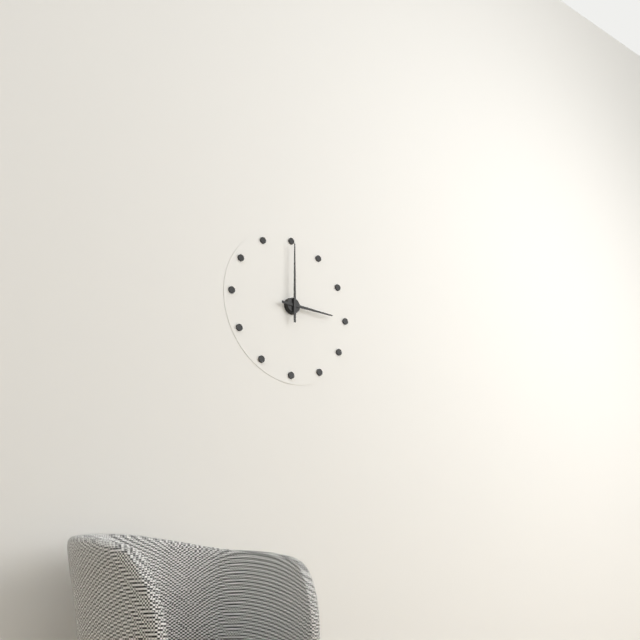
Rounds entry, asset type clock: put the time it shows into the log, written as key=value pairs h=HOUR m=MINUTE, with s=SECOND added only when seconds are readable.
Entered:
h=3 m=0
